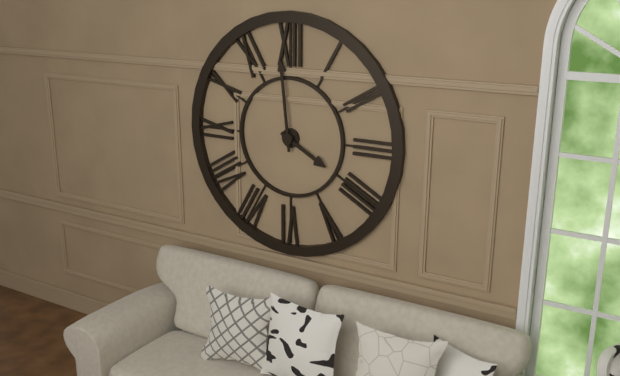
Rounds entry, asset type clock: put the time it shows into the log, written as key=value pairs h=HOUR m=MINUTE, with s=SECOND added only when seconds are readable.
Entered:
h=3 m=59
